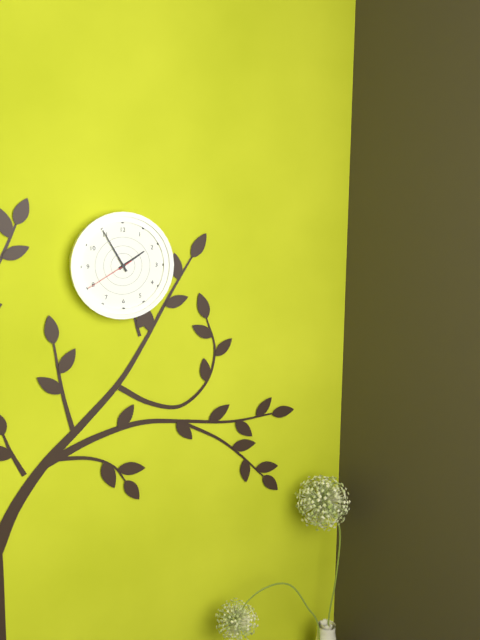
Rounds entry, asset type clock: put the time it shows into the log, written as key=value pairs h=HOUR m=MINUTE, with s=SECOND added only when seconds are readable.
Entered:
h=1 m=55 s=40
